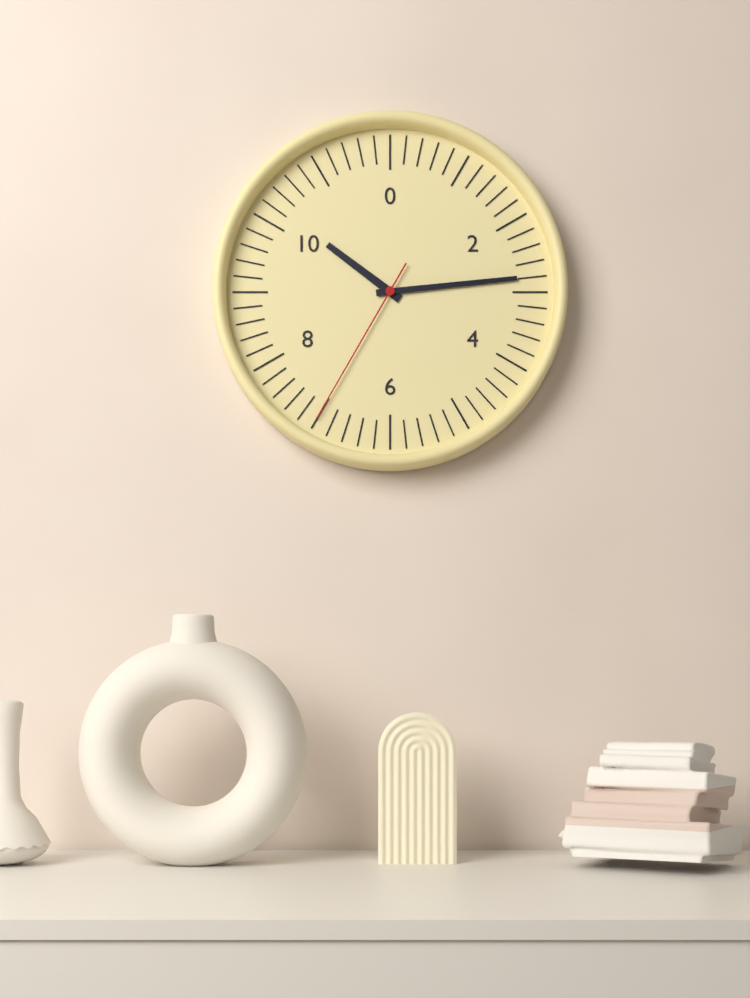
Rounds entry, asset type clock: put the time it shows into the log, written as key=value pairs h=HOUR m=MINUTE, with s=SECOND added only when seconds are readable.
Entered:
h=10 m=14 s=35
